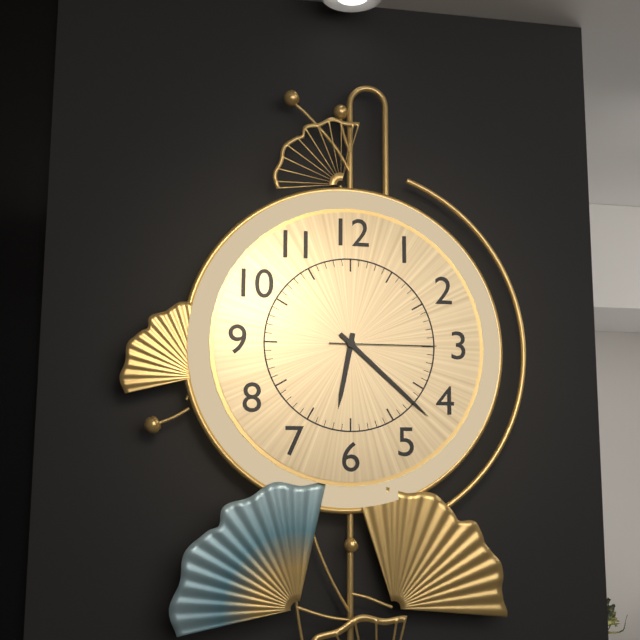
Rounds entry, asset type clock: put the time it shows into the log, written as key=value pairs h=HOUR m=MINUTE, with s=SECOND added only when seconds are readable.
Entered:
h=6 m=22 s=15
